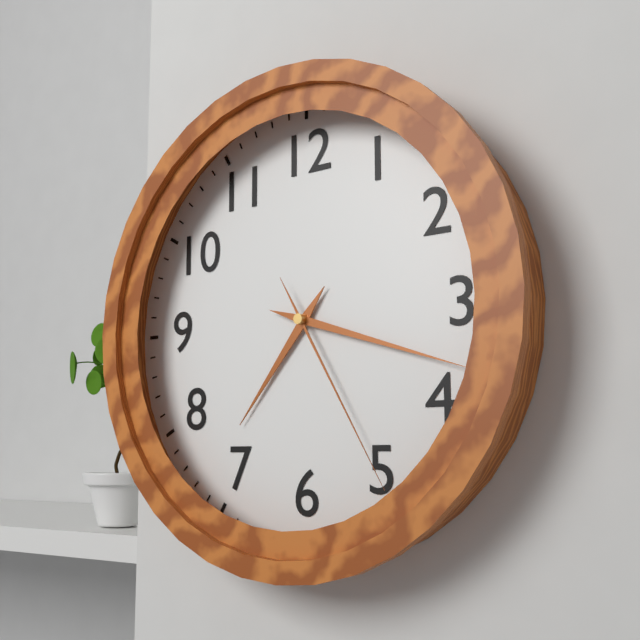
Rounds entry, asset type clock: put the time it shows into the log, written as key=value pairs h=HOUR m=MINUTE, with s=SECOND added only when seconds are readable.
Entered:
h=7 m=18 s=25
